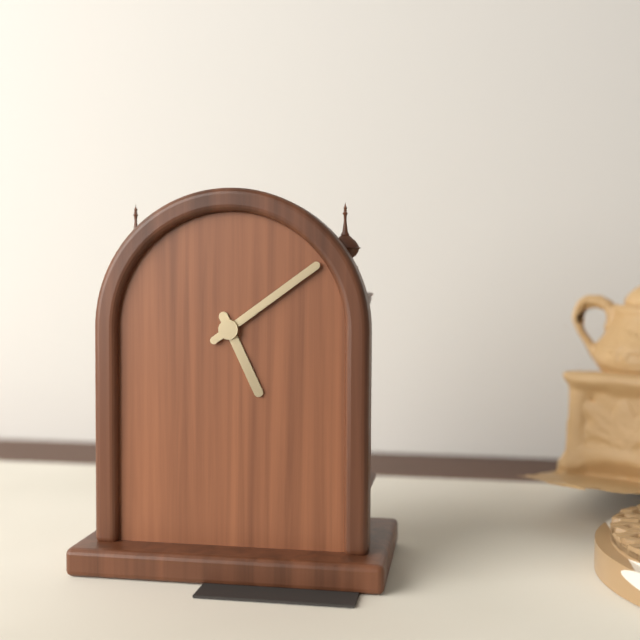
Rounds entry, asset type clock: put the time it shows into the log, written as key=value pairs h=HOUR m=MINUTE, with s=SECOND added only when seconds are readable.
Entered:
h=5 m=9
